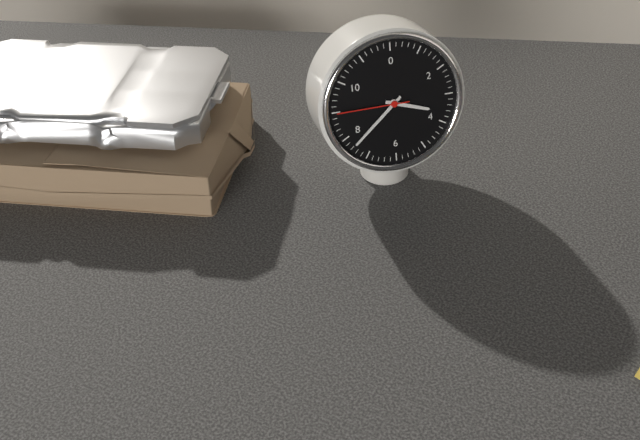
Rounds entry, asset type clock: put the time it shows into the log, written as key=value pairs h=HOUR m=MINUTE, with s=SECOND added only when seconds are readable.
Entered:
h=3 m=38 s=45
